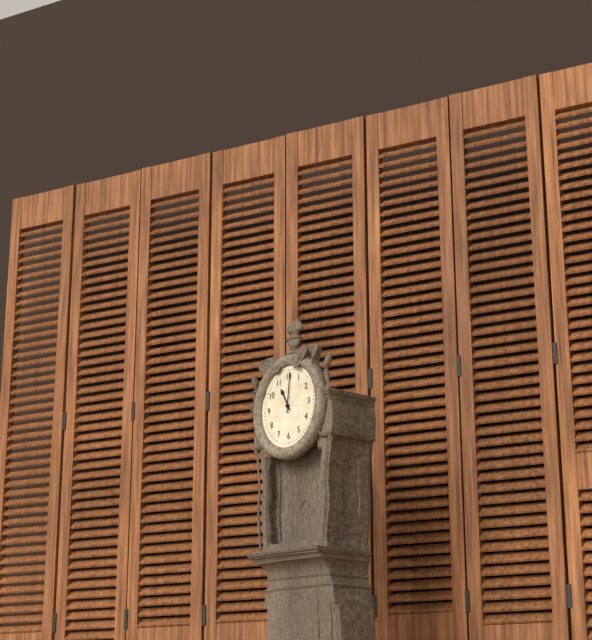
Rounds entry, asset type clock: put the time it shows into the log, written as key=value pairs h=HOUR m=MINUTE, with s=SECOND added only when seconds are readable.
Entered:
h=11 m=1
